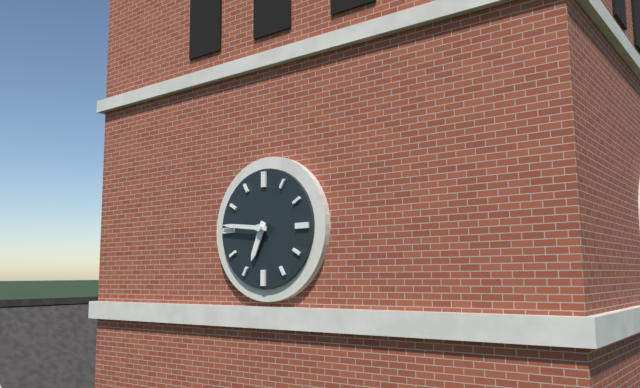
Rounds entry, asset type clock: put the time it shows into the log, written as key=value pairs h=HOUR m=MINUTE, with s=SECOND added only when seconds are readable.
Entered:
h=6 m=46
